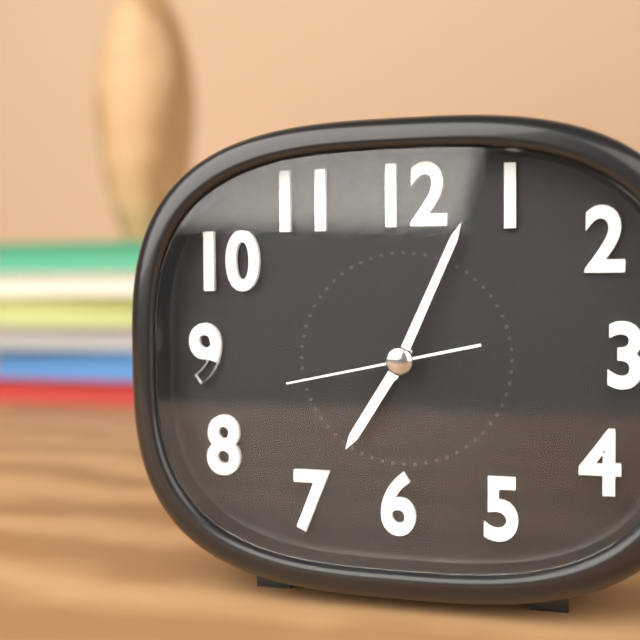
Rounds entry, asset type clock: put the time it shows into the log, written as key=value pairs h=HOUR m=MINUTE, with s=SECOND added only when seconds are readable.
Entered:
h=7 m=4 s=43
